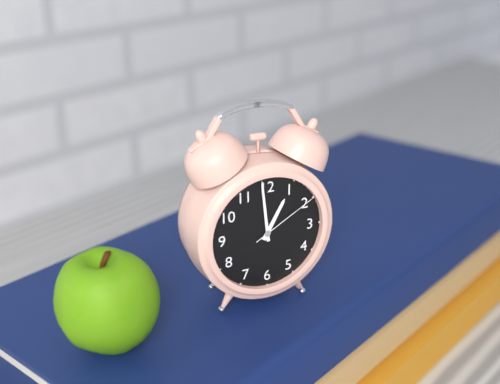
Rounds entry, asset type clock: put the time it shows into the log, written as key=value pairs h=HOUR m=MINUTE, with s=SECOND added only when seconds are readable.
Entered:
h=12 m=59 s=10
